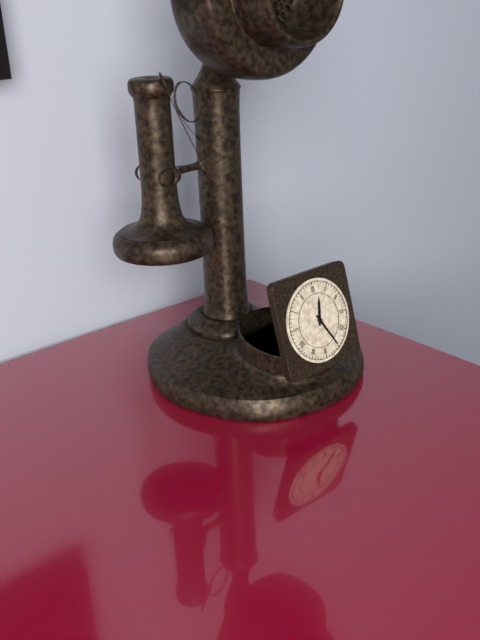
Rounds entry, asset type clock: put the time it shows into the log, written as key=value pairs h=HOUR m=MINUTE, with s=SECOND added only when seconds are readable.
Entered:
h=12 m=25
